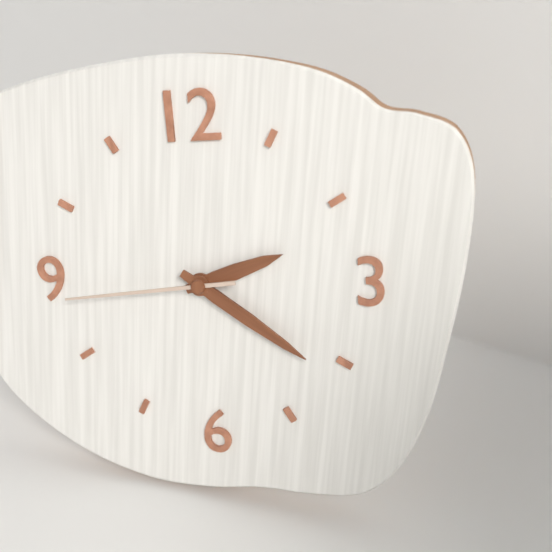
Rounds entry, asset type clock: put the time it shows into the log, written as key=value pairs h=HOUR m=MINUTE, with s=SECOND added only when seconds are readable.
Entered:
h=2 m=21 s=44
